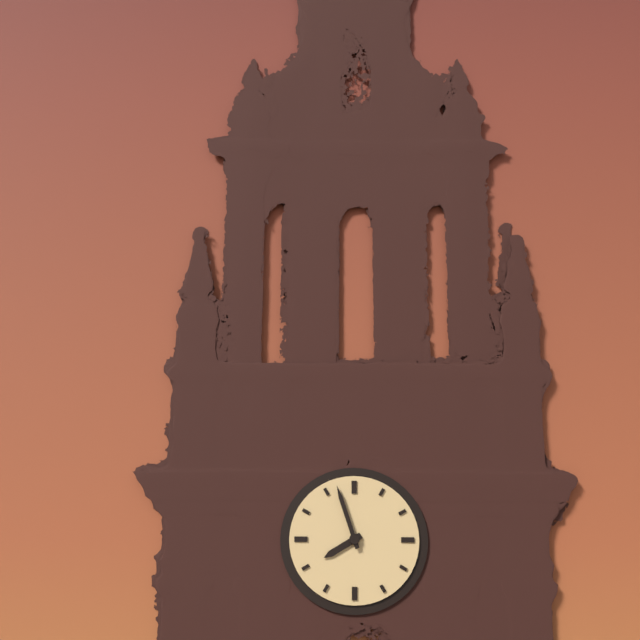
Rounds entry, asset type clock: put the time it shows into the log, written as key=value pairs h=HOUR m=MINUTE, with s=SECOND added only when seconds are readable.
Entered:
h=7 m=57
